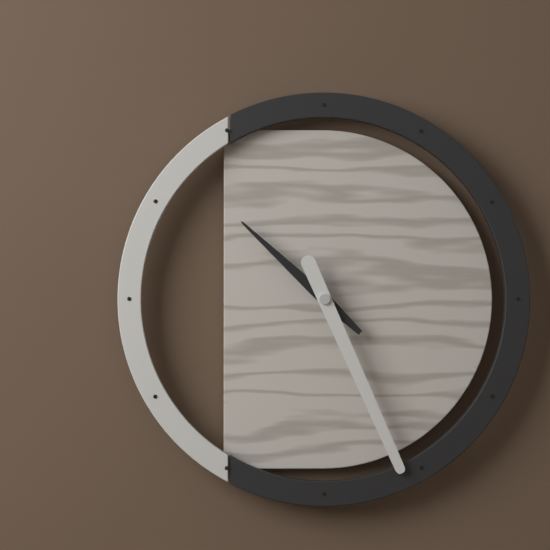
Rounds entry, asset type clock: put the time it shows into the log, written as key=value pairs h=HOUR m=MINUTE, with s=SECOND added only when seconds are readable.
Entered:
h=10 m=26
